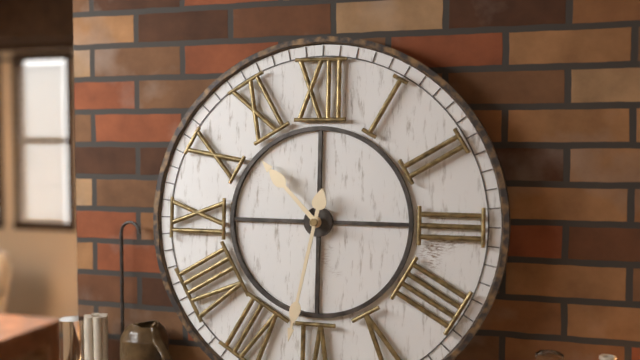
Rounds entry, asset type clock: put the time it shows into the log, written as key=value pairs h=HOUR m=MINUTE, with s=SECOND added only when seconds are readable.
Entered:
h=10 m=32
